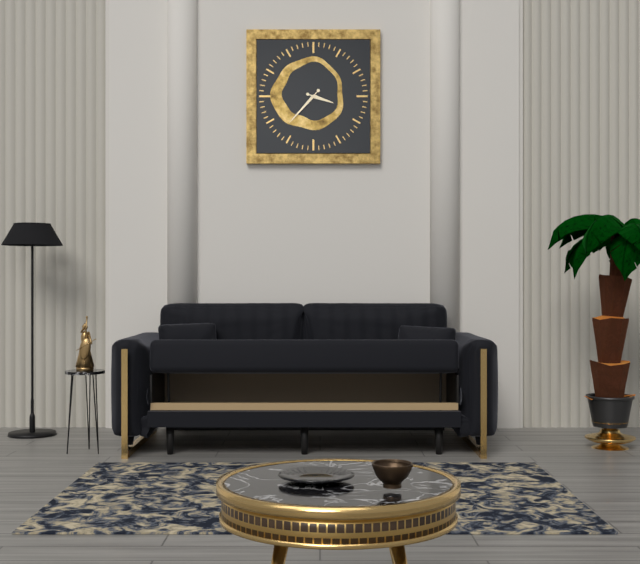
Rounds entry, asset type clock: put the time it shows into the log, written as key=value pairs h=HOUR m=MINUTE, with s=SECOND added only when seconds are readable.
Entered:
h=3 m=37
